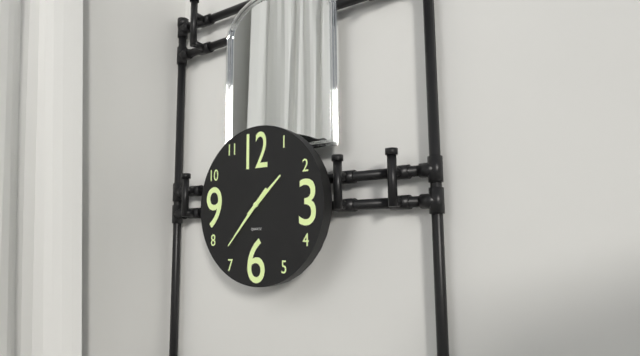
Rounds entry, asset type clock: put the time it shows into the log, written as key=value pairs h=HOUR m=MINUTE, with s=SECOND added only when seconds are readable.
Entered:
h=1 m=37
